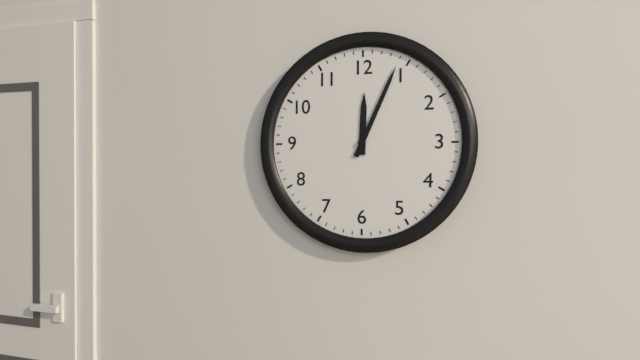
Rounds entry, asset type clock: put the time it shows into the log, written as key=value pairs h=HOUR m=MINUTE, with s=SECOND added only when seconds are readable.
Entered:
h=12 m=4
